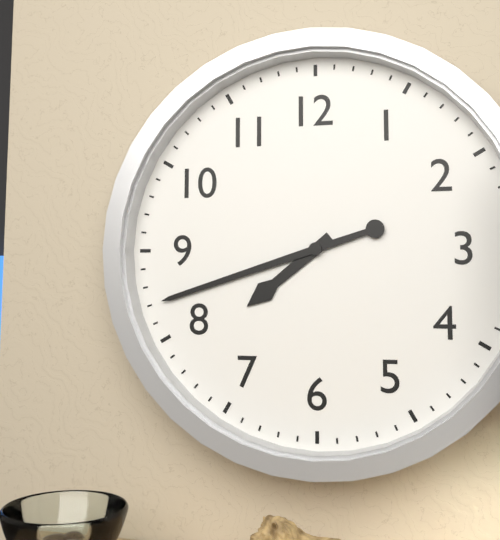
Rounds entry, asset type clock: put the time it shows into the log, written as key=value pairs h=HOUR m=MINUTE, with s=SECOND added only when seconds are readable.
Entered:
h=7 m=42
